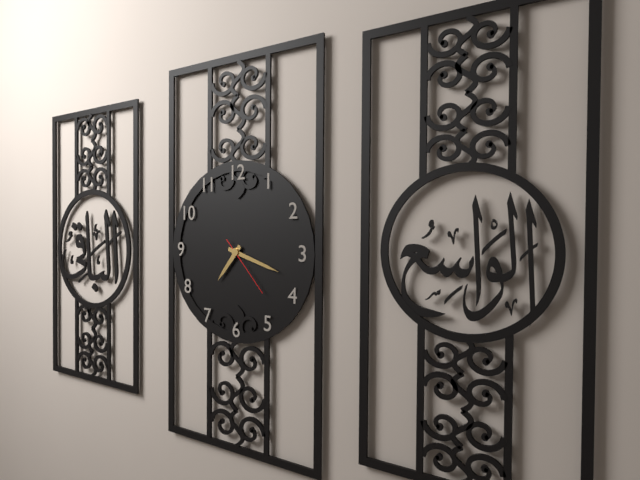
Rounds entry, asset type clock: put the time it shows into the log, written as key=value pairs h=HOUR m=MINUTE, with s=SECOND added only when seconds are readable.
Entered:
h=7 m=18 s=23
